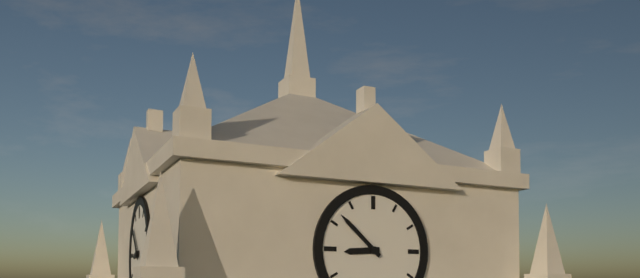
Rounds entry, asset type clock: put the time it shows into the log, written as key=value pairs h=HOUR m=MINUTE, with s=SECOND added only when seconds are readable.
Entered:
h=8 m=52
